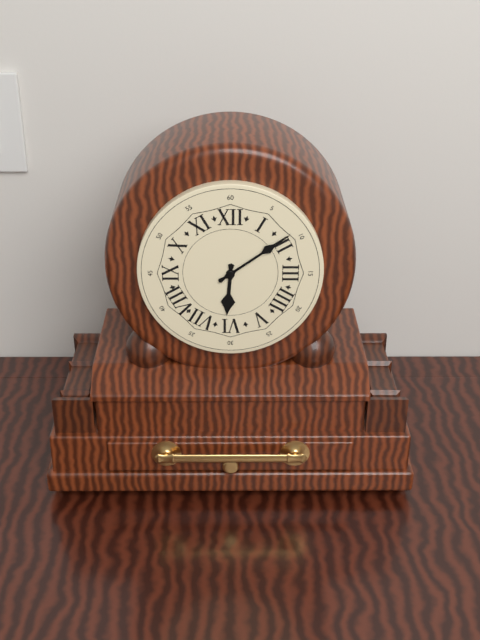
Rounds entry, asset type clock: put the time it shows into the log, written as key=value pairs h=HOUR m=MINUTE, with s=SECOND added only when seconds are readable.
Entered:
h=6 m=9
